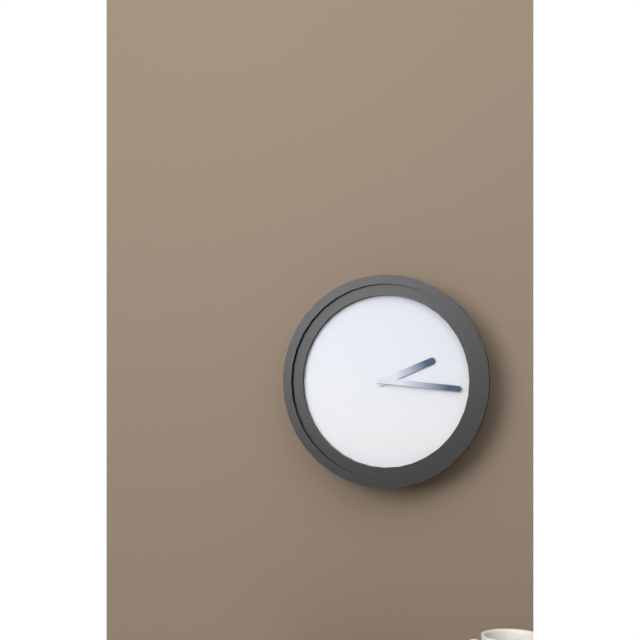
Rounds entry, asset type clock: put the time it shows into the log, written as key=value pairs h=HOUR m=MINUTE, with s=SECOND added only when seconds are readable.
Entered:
h=2 m=16
